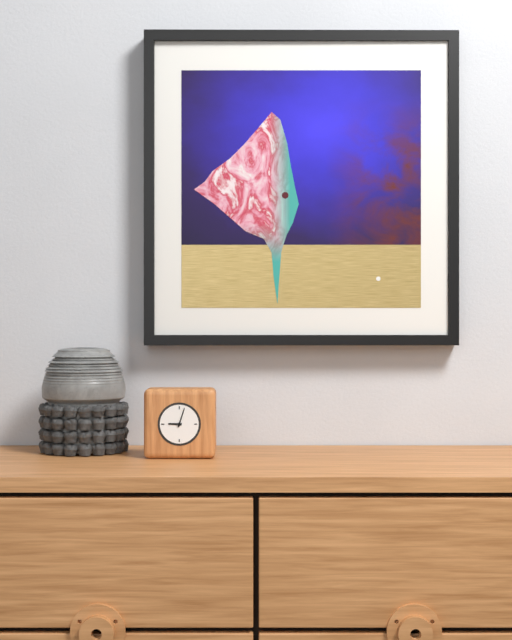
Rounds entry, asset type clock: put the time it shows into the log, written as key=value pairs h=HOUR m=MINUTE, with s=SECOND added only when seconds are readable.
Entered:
h=9 m=3
